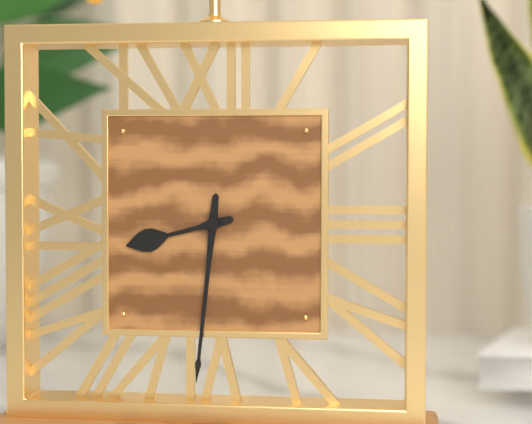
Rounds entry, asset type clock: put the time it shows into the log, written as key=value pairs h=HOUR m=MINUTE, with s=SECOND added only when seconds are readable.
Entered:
h=8 m=31
